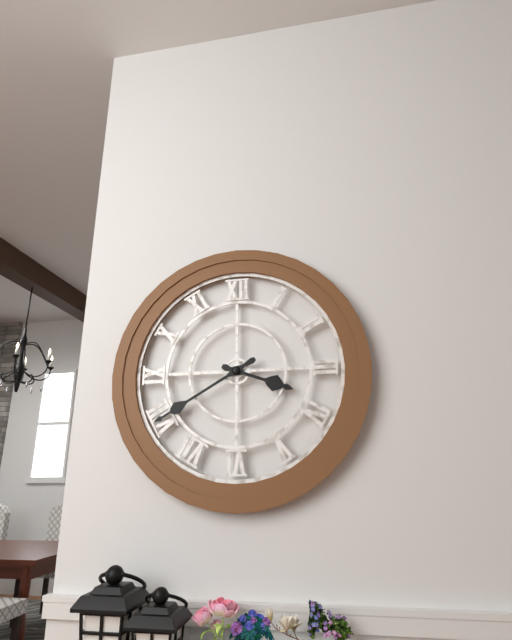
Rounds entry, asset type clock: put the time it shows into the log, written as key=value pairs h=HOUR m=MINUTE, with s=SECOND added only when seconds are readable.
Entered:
h=3 m=40
